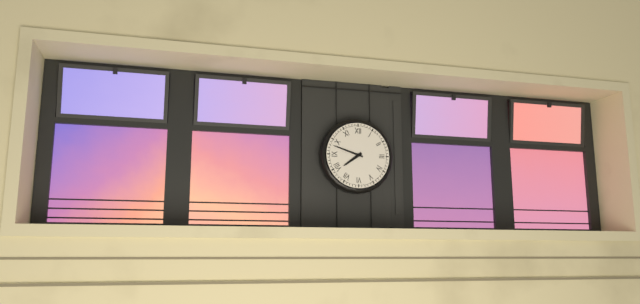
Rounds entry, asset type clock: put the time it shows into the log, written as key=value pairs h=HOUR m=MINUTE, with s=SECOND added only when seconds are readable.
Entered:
h=7 m=48
